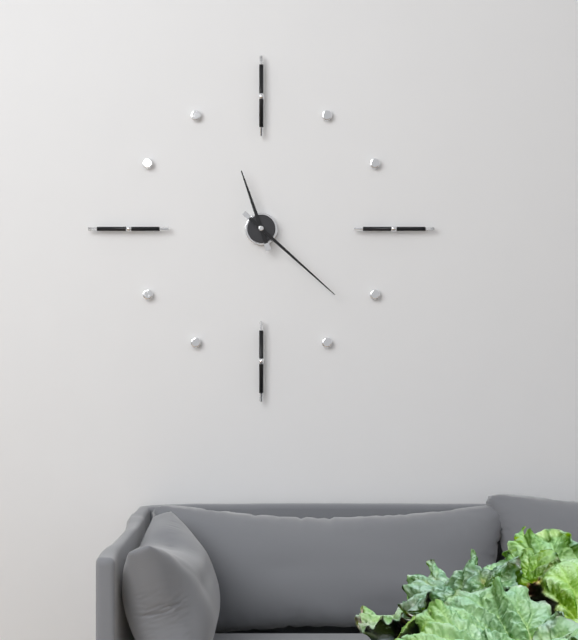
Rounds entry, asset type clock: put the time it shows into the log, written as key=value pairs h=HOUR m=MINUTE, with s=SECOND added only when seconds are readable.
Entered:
h=11 m=22
